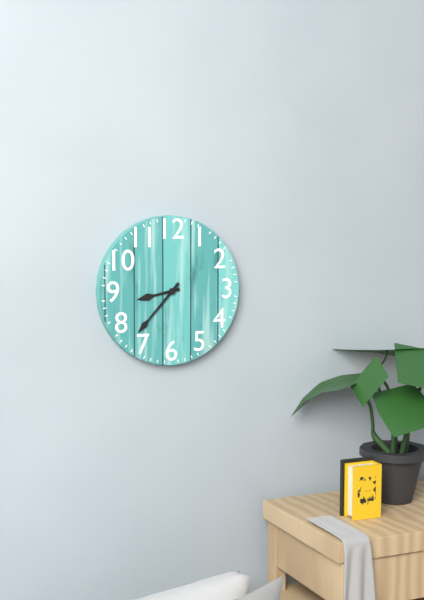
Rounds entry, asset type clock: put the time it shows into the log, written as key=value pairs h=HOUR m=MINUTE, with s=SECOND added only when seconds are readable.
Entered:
h=8 m=37
